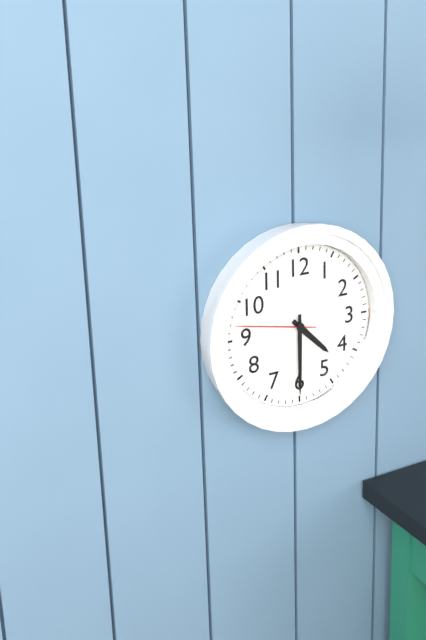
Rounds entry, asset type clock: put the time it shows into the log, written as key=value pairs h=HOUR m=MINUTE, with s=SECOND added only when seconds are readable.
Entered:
h=4 m=30 s=47
